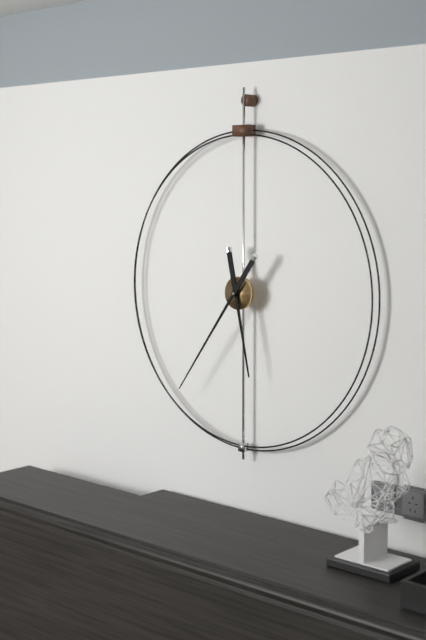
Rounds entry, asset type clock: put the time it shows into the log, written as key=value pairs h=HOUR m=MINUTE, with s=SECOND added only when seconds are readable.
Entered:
h=5 m=36
